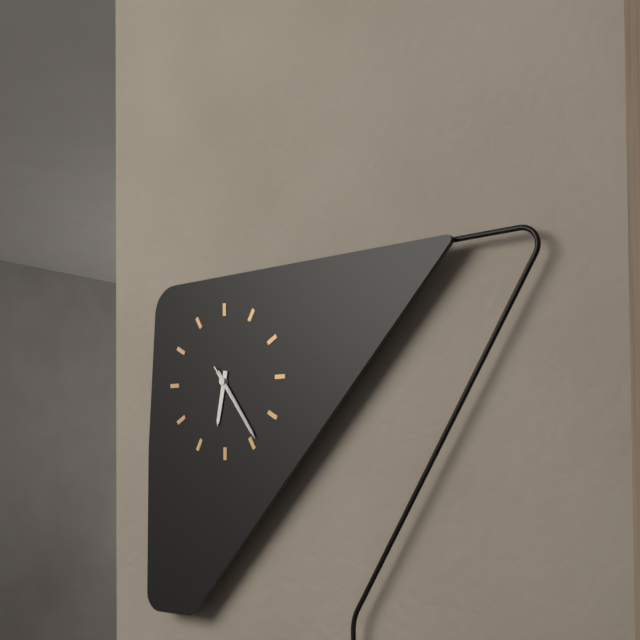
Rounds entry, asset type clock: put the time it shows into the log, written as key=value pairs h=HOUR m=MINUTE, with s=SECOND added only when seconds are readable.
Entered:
h=6 m=24 s=24
